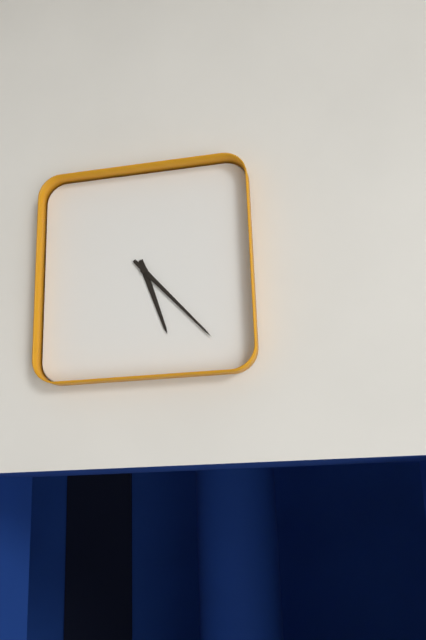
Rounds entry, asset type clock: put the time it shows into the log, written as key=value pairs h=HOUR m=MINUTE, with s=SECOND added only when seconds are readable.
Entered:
h=5 m=23
